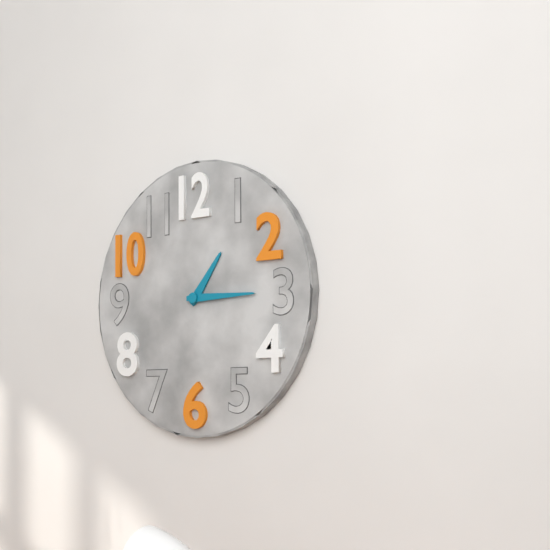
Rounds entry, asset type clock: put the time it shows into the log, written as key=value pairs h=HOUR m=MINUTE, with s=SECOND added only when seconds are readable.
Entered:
h=1 m=15
